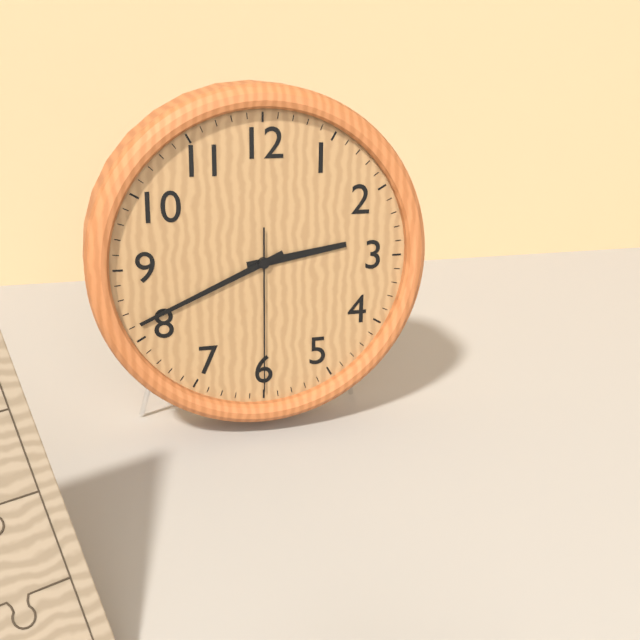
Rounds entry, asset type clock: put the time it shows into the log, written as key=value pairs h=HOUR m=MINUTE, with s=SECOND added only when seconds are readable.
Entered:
h=2 m=41 s=30
